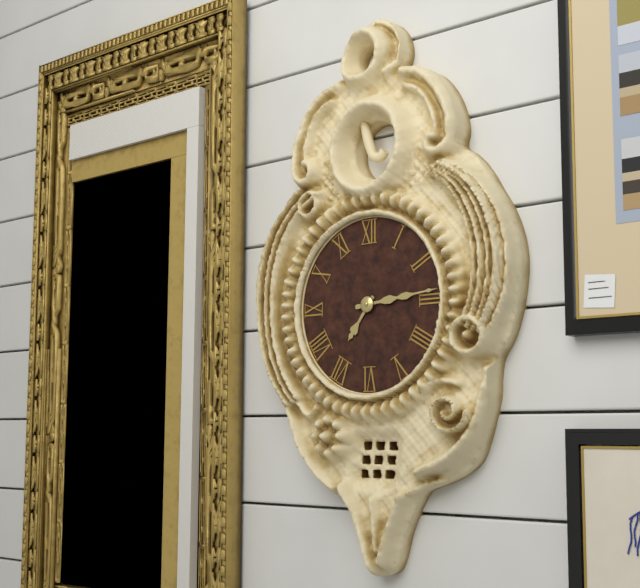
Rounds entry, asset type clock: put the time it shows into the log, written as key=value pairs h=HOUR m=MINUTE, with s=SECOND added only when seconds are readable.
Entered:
h=7 m=14
